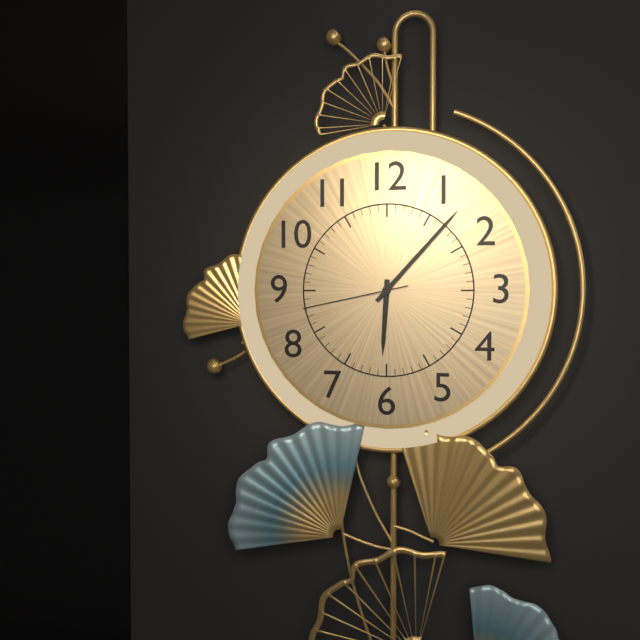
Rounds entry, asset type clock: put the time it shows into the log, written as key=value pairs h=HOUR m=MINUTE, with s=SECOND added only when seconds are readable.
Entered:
h=6 m=7 s=43
